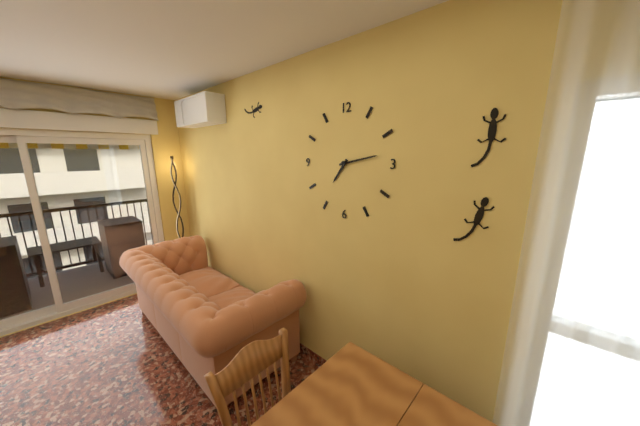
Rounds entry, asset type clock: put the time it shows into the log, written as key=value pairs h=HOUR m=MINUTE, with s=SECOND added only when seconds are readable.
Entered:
h=7 m=13
